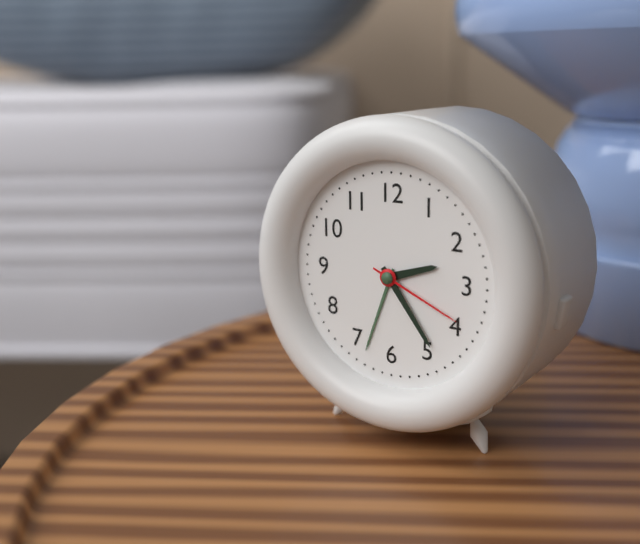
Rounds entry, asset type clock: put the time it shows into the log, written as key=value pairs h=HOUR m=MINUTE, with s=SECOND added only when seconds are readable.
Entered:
h=2 m=24 s=19
